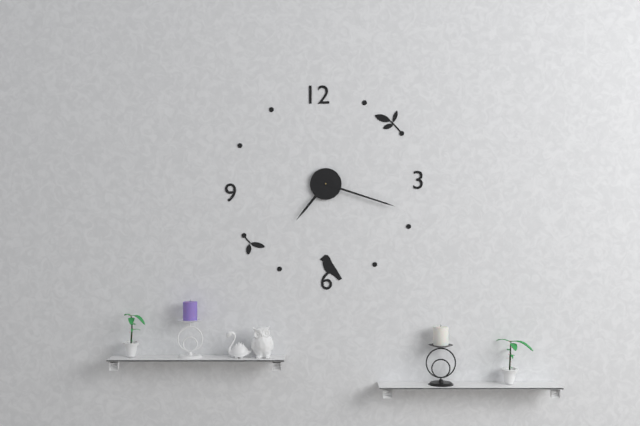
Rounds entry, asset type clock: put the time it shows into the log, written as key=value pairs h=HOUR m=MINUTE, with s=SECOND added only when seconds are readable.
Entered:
h=7 m=18
